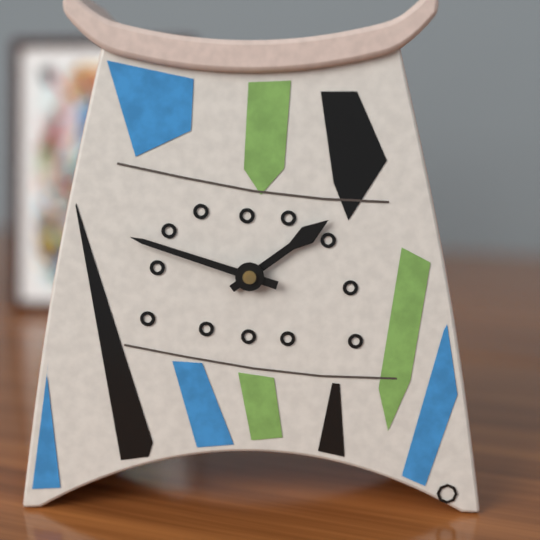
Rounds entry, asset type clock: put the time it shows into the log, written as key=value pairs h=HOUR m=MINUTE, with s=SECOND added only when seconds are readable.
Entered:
h=1 m=48
